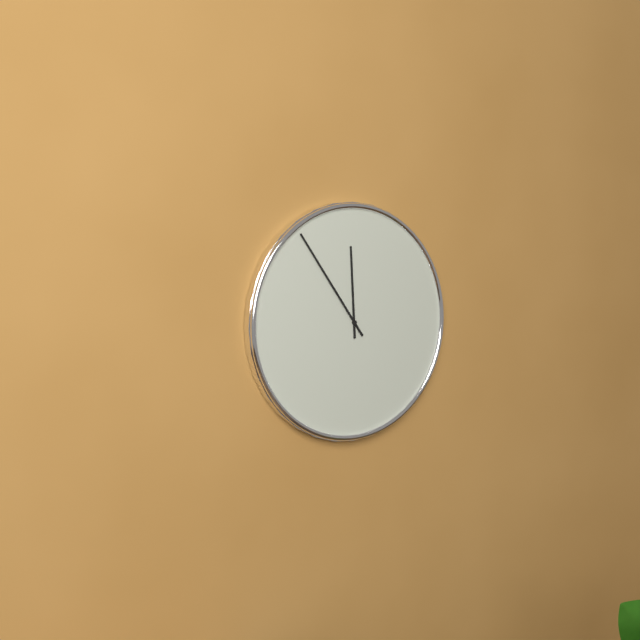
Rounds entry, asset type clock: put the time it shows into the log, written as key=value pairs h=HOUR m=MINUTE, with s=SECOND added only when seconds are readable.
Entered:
h=11 m=54
